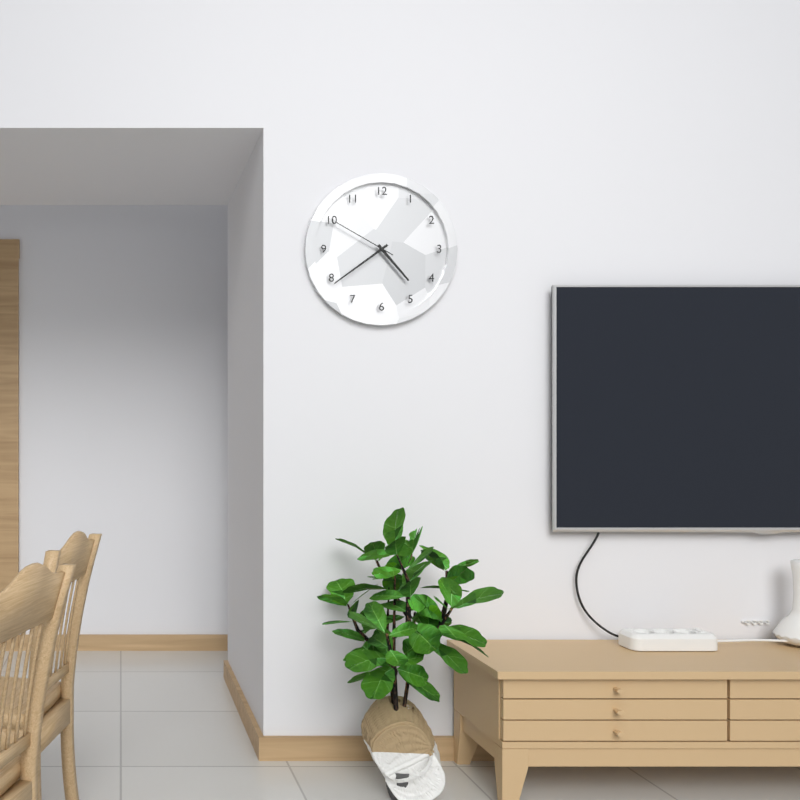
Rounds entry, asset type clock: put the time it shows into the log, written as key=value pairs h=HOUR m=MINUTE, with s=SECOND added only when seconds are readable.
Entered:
h=4 m=39 s=50
